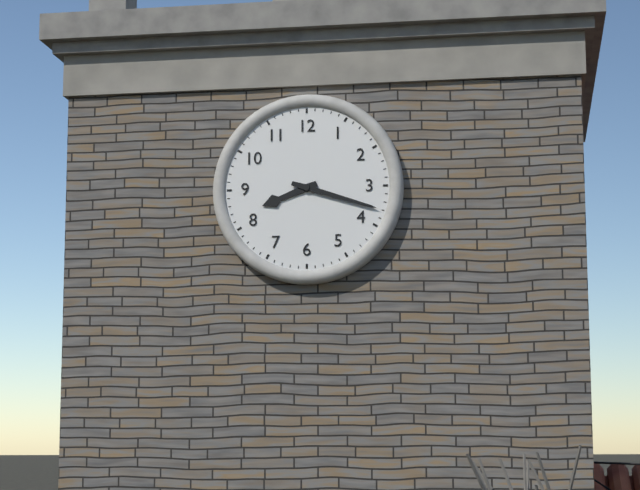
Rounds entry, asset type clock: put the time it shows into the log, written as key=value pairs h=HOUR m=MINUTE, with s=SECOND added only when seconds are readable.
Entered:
h=8 m=18
